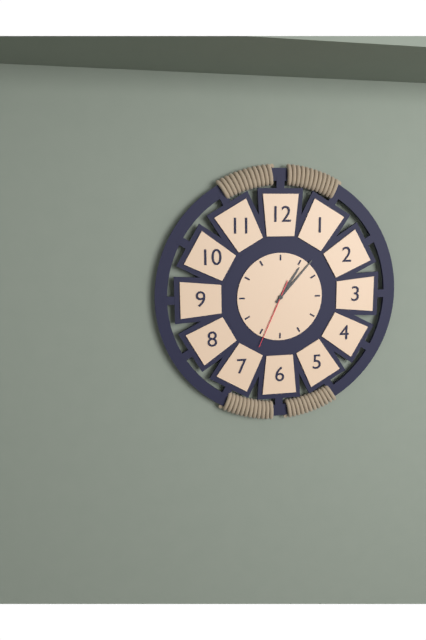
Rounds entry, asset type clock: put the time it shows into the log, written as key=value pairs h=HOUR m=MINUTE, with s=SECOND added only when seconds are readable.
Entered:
h=1 m=7 s=34
